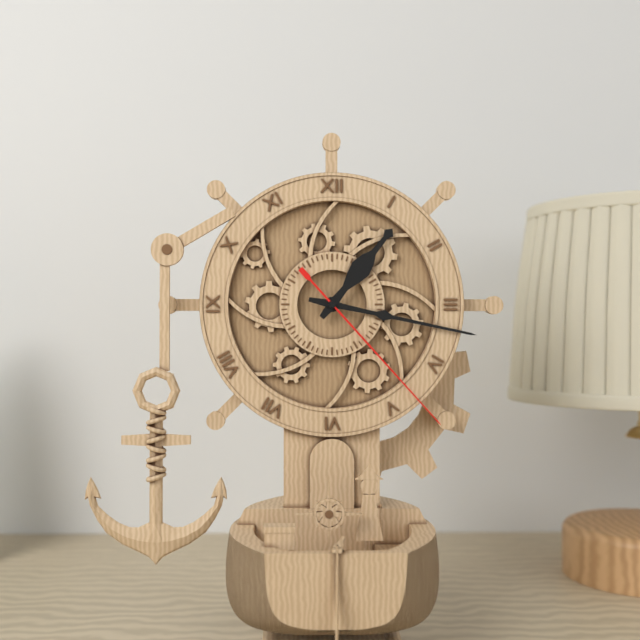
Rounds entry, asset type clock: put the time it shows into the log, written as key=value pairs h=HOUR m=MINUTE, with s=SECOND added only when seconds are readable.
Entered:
h=1 m=17 s=23
